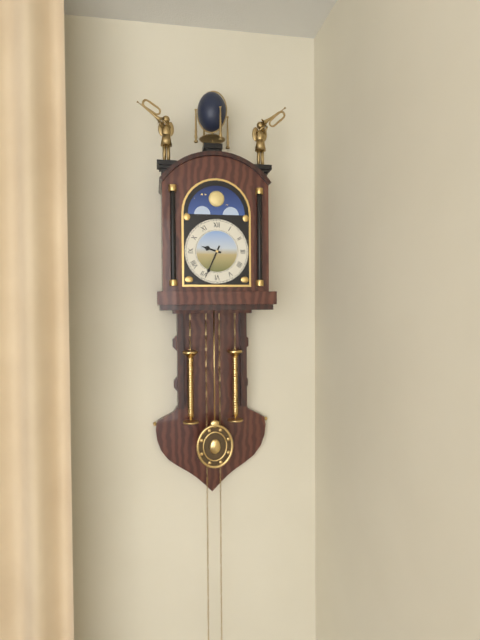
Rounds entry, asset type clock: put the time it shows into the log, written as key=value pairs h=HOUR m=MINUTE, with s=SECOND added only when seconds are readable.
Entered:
h=9 m=34
